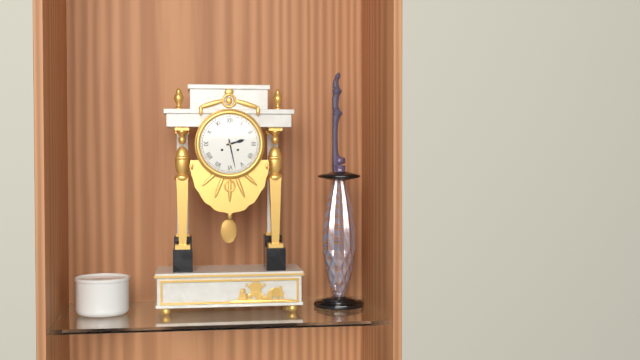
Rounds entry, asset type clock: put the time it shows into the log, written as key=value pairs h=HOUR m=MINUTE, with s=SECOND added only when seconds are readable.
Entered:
h=2 m=28
